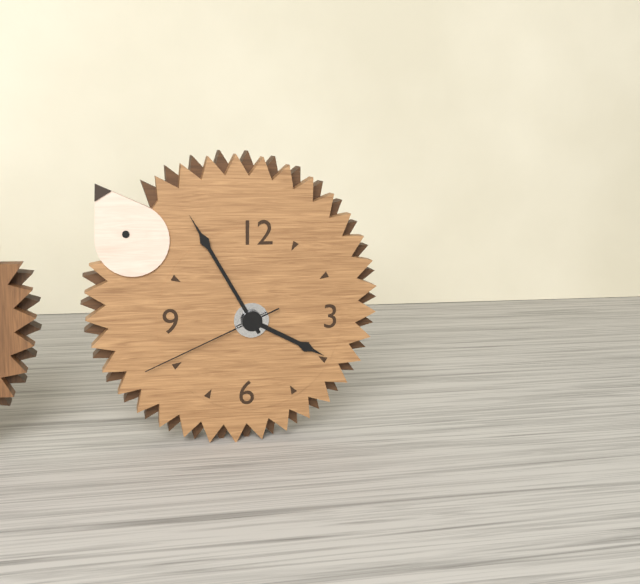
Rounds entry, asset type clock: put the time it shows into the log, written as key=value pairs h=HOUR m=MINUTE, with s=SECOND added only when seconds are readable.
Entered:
h=3 m=55 s=41
